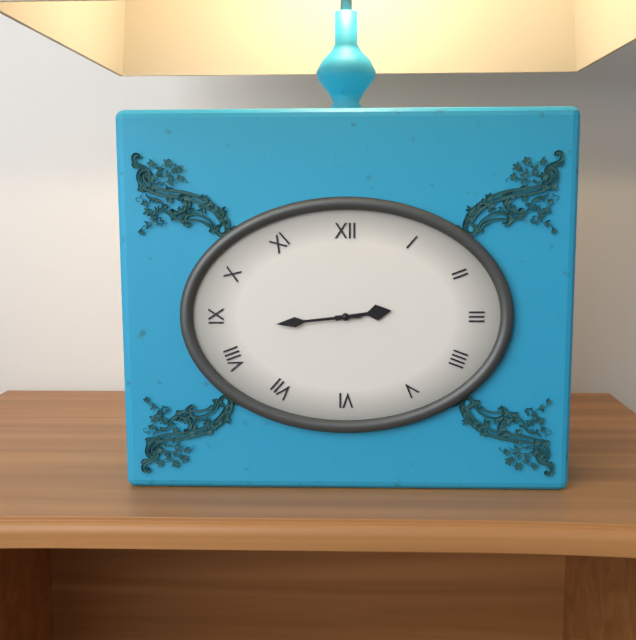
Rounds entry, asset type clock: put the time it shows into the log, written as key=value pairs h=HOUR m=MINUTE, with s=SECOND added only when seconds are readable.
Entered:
h=2 m=44
